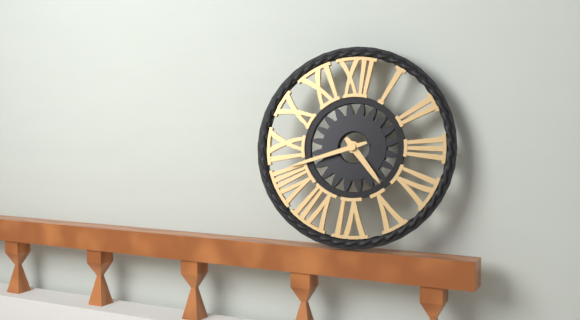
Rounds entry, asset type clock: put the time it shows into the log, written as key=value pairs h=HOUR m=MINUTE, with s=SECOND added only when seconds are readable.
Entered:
h=4 m=42
